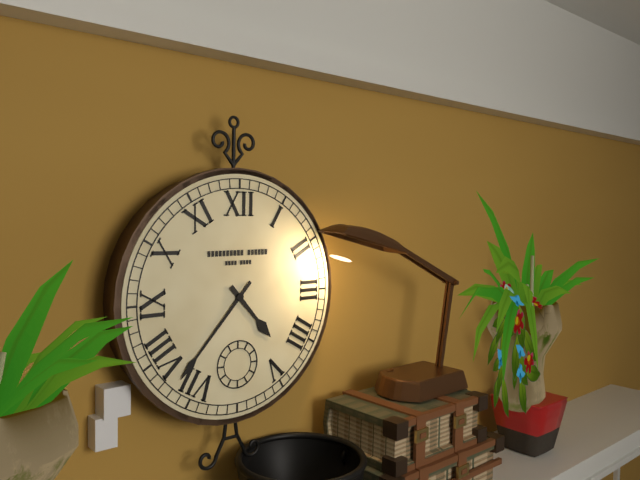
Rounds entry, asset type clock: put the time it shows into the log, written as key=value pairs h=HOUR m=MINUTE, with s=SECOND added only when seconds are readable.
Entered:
h=4 m=37
